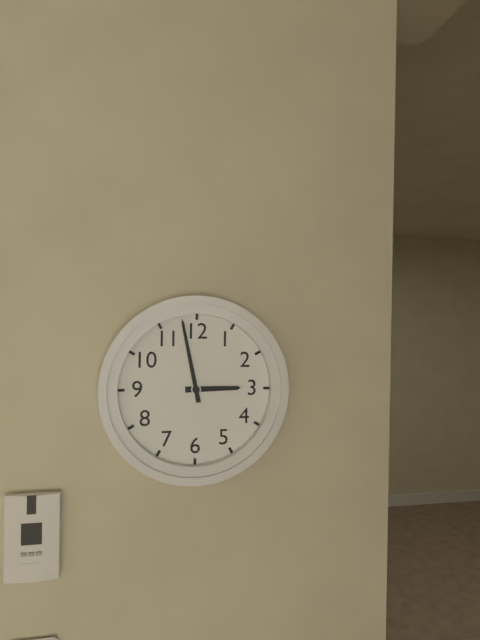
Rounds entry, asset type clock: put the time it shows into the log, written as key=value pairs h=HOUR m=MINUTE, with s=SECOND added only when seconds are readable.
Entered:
h=2 m=58
